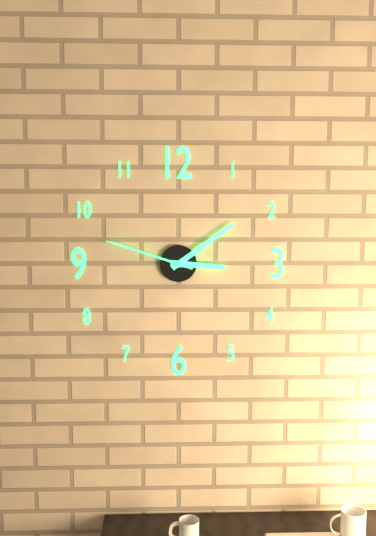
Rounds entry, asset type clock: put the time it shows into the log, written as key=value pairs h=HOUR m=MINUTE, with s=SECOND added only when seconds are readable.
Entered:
h=3 m=9 s=48
